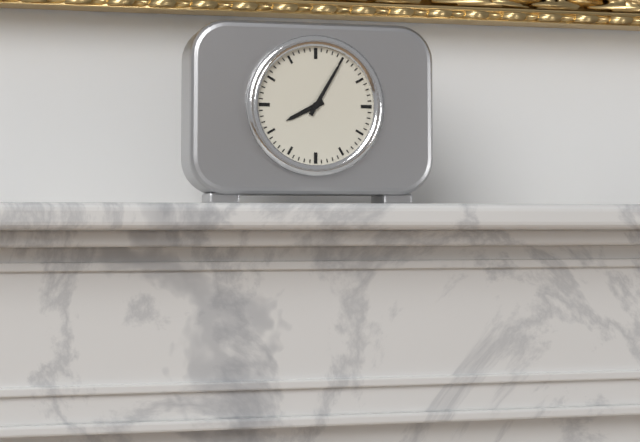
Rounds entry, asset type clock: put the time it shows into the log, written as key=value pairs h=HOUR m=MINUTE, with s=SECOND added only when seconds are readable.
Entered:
h=8 m=5
